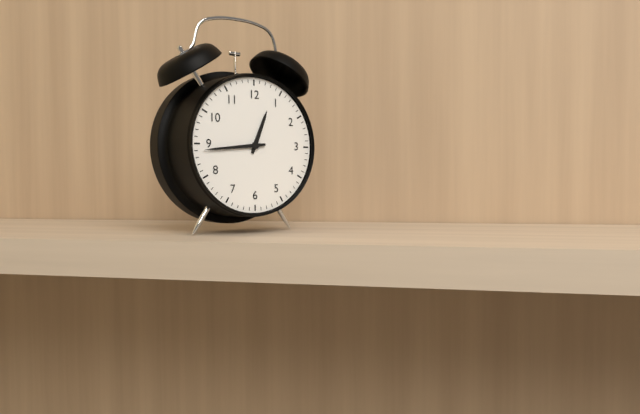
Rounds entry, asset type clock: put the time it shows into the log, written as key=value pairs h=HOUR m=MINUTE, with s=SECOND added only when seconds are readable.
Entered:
h=12 m=44
